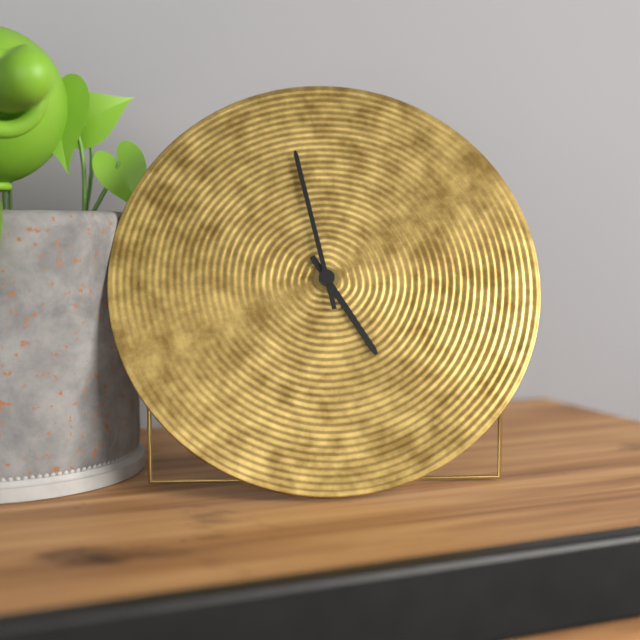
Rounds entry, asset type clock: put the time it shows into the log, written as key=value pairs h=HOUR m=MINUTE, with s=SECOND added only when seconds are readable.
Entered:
h=4 m=58
